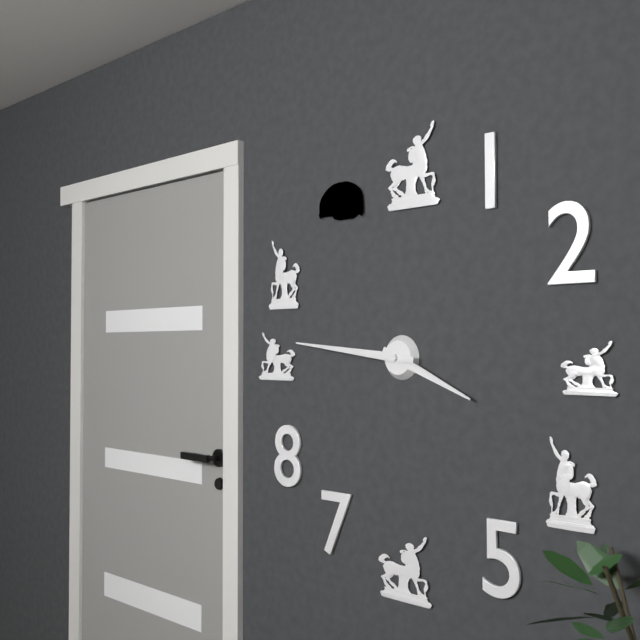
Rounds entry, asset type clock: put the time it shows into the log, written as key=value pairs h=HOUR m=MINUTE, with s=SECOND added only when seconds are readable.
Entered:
h=3 m=46
